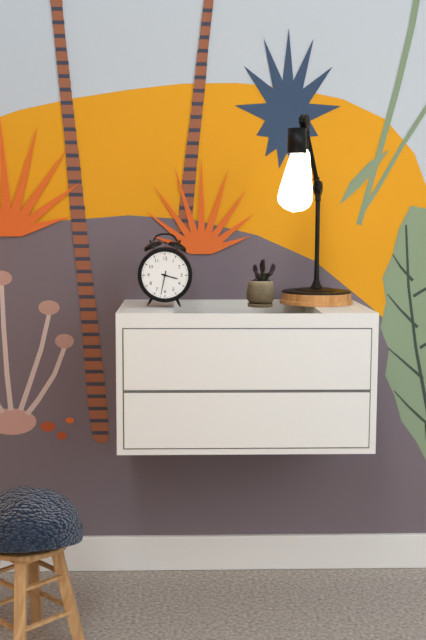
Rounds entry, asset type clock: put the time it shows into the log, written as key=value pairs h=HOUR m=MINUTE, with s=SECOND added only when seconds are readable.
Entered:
h=3 m=32
